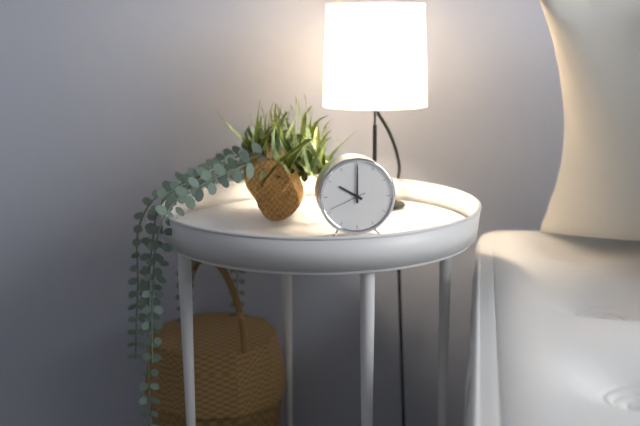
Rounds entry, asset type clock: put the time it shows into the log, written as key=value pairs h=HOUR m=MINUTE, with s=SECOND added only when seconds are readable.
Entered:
h=10 m=0
